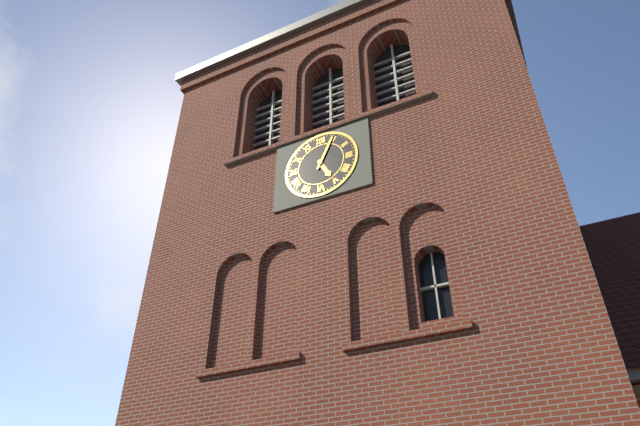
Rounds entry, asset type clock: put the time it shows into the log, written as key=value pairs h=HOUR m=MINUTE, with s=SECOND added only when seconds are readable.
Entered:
h=5 m=4
